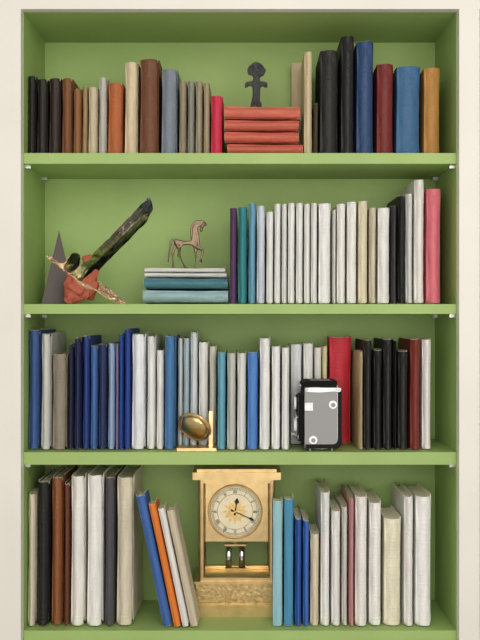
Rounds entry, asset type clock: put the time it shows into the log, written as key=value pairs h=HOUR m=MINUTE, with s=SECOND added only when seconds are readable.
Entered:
h=12 m=19
